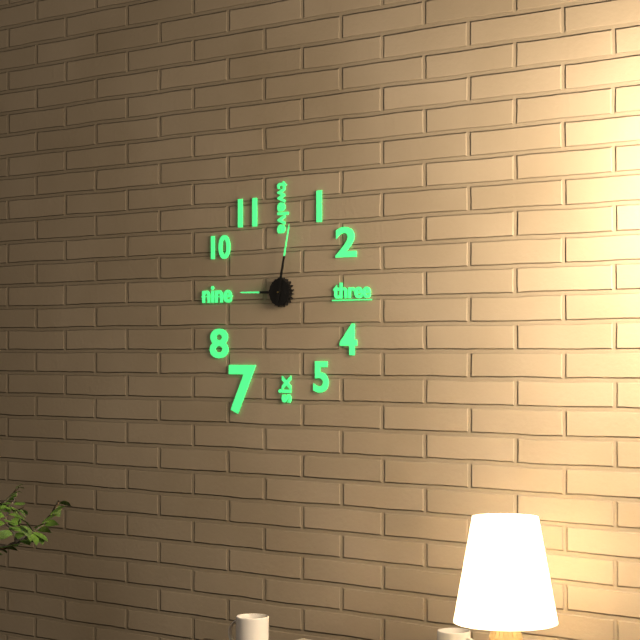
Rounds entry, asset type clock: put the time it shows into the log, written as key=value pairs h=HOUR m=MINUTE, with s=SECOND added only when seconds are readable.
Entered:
h=9 m=2
